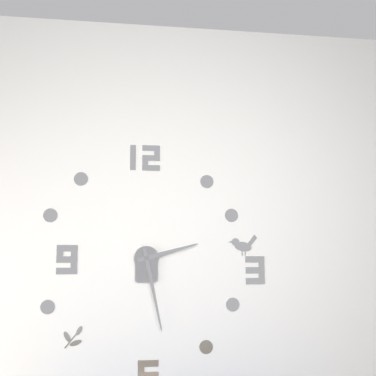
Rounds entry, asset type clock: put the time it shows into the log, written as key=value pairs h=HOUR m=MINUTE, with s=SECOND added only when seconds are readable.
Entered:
h=2 m=28
